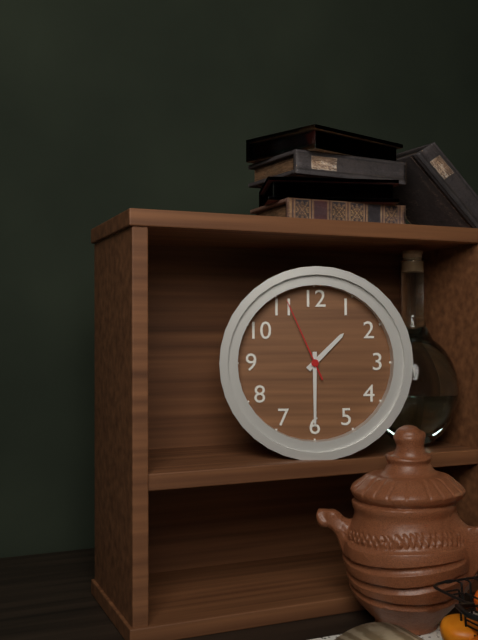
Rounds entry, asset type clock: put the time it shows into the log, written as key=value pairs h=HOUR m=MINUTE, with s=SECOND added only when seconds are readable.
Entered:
h=1 m=30 s=56
